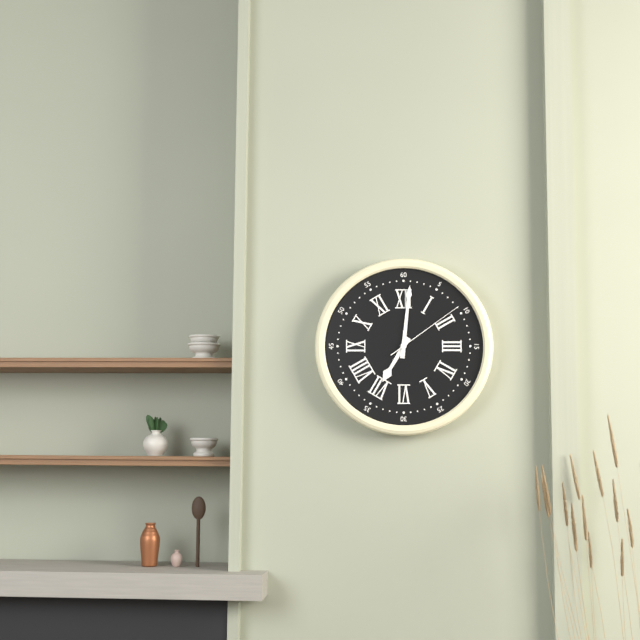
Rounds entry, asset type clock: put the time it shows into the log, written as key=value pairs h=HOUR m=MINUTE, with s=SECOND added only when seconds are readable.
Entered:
h=7 m=1 s=9
